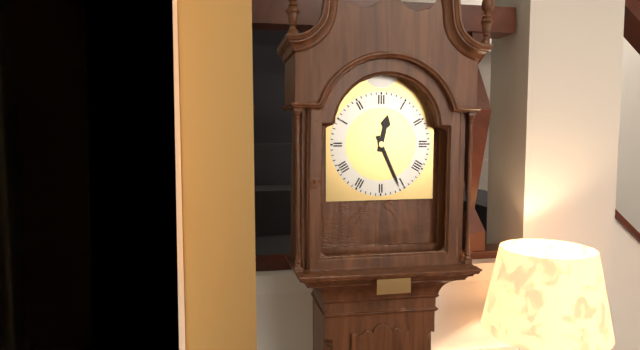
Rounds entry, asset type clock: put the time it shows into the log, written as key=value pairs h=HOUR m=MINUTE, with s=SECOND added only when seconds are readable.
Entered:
h=12 m=26
